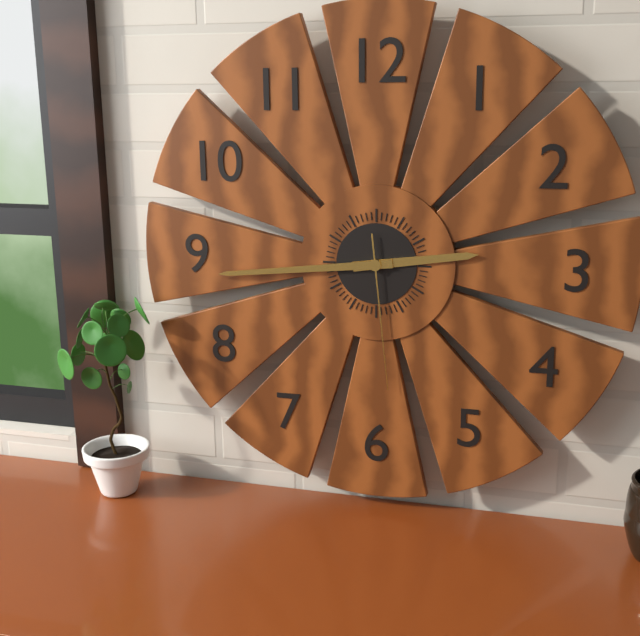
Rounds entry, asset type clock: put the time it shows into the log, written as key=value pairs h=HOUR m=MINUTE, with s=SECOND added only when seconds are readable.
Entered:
h=2 m=44 s=29
